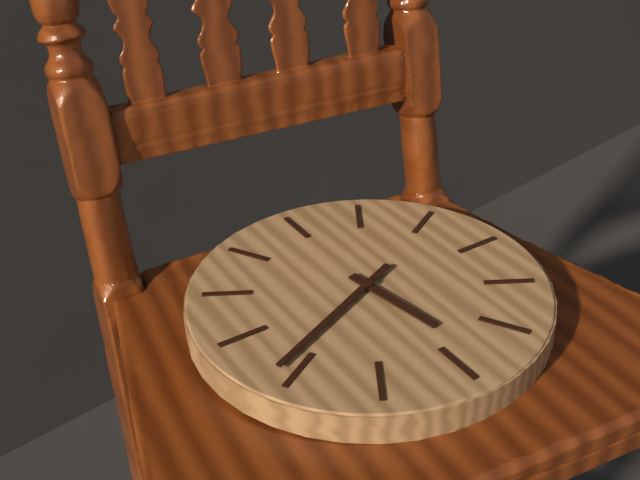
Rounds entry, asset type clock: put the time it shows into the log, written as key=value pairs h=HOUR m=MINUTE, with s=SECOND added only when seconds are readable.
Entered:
h=5 m=41
